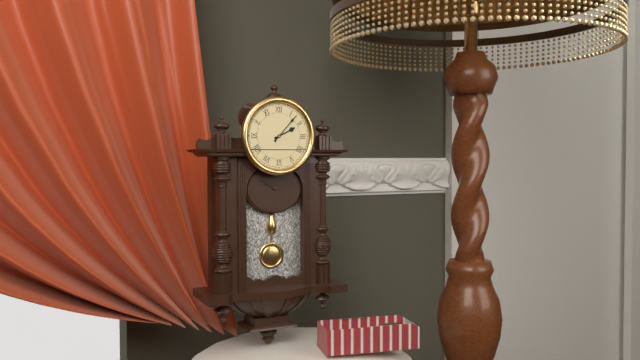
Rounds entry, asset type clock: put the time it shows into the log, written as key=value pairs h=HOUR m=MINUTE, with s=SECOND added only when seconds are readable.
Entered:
h=2 m=7
